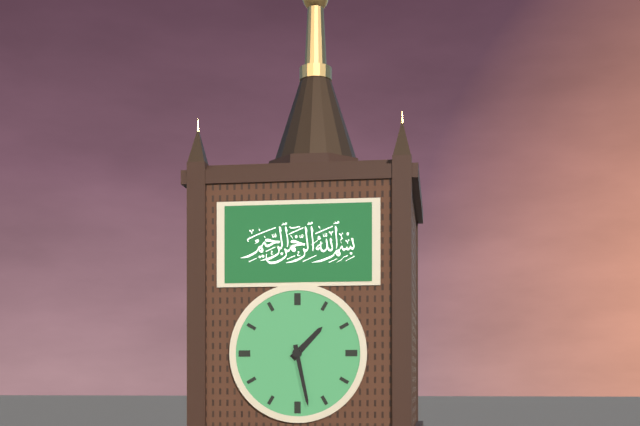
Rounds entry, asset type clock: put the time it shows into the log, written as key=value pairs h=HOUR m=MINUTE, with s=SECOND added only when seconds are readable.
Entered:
h=1 m=28
